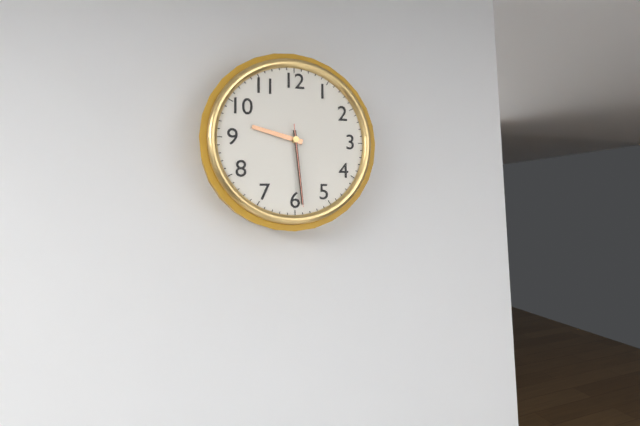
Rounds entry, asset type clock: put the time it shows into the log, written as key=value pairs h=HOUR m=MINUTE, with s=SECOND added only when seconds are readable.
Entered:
h=9 m=29 s=29
